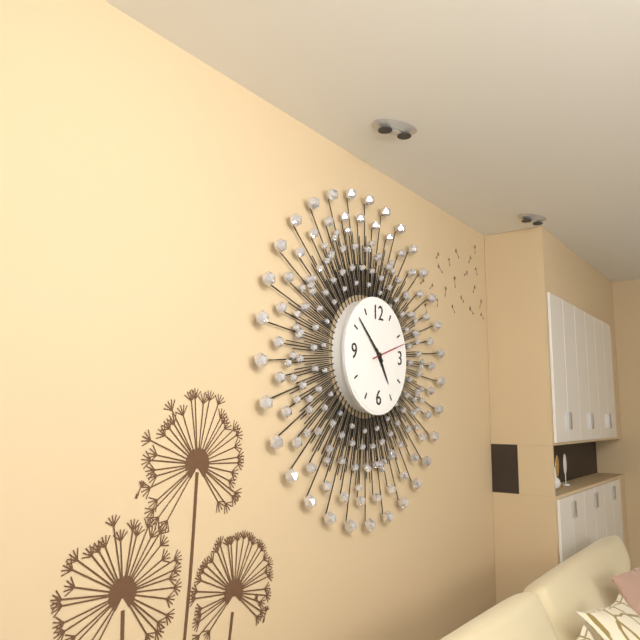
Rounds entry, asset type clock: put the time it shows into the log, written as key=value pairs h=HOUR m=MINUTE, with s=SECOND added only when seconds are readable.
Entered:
h=4 m=52
